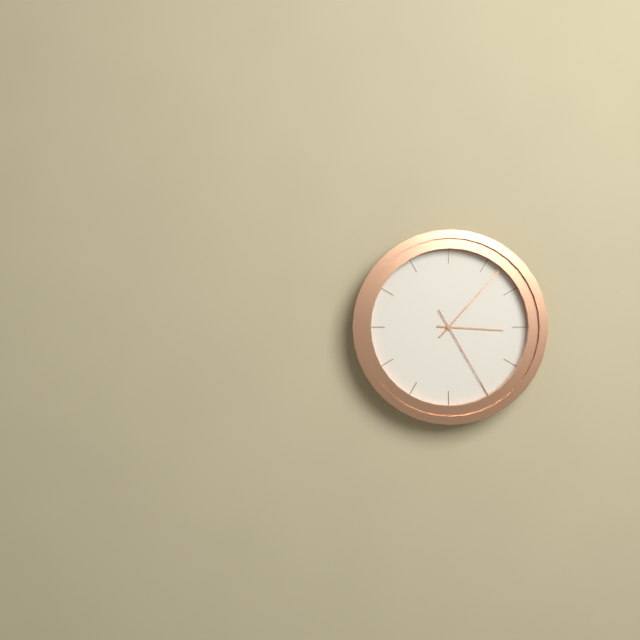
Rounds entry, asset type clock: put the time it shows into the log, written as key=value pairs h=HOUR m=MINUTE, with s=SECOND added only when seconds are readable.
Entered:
h=3 m=7 s=25
